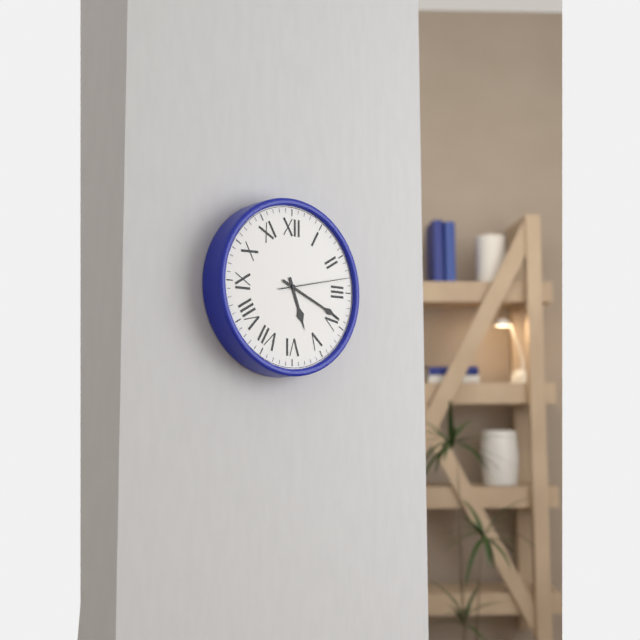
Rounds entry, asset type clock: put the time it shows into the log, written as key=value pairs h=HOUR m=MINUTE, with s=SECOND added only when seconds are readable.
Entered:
h=5 m=19 s=13
